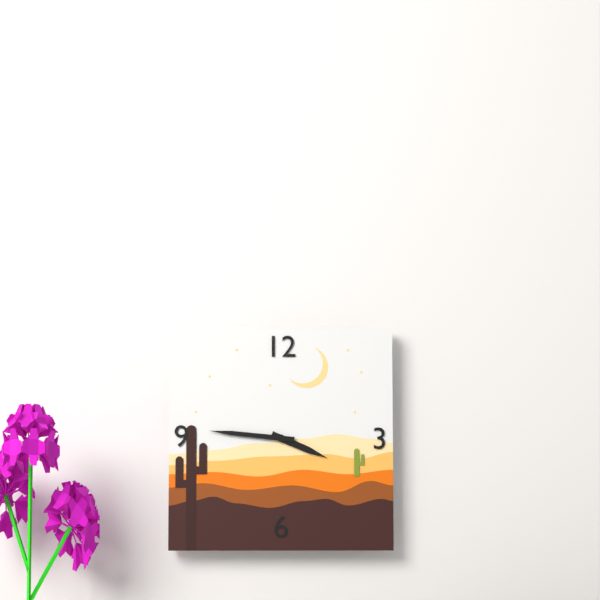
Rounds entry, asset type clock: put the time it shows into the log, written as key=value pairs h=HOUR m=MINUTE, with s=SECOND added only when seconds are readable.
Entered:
h=3 m=46
